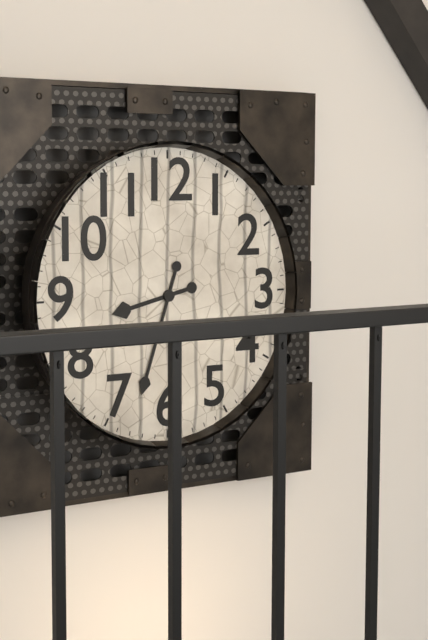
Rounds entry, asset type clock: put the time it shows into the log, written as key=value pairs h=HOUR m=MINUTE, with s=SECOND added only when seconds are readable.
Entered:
h=8 m=33
